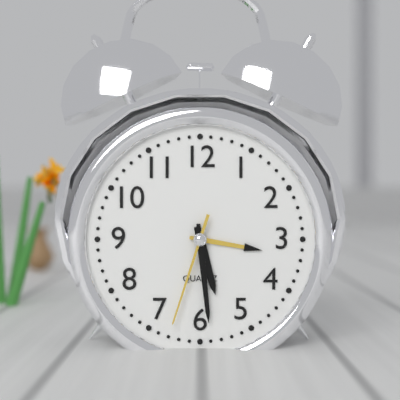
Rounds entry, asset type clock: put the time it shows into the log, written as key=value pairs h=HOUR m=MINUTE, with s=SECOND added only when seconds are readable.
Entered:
h=5 m=29 s=33
